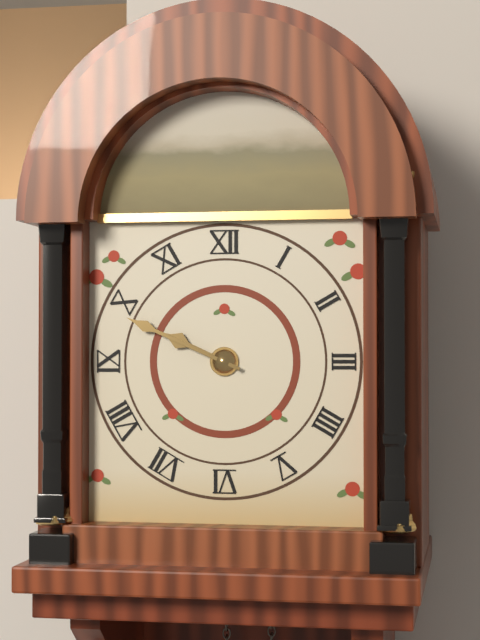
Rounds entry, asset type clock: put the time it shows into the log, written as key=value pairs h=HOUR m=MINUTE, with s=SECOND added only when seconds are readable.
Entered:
h=9 m=49
